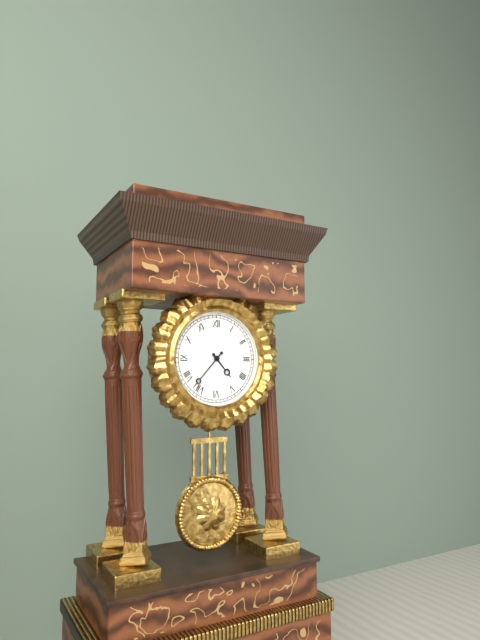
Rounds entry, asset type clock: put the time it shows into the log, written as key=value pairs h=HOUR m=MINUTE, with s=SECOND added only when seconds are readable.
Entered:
h=4 m=37
